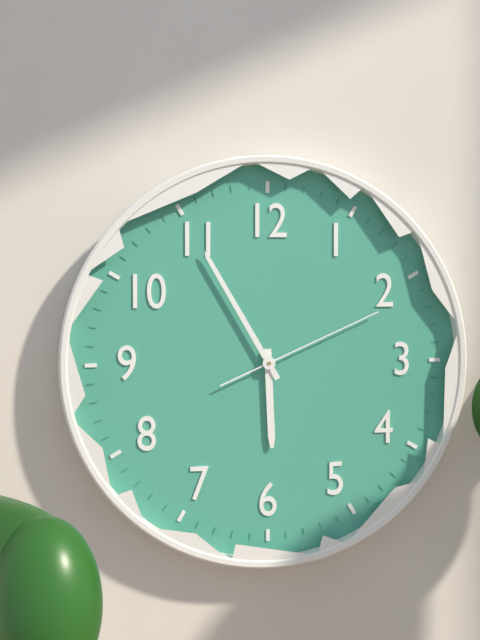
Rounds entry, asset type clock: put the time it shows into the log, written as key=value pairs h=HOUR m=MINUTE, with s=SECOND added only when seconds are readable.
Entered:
h=5 m=55 s=11
